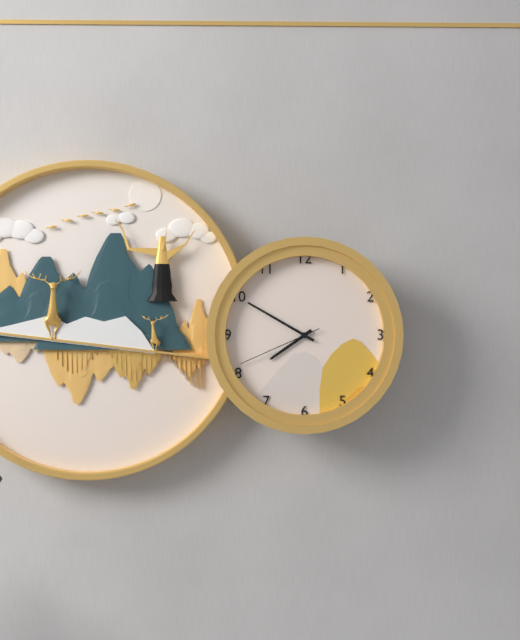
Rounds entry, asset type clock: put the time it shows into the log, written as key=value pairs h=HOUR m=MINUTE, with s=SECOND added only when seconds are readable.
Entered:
h=7 m=50 s=41
